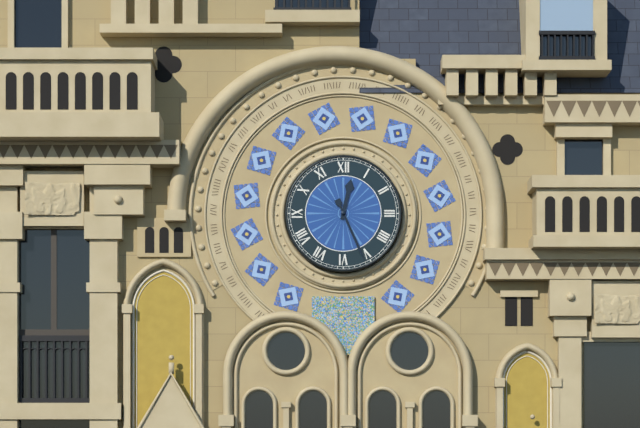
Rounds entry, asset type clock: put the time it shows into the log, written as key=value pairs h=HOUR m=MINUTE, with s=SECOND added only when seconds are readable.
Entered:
h=12 m=26
